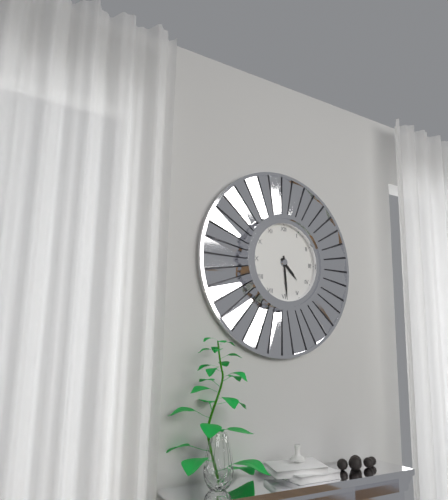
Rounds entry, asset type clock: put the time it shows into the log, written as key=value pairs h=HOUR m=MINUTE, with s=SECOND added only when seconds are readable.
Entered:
h=4 m=29
